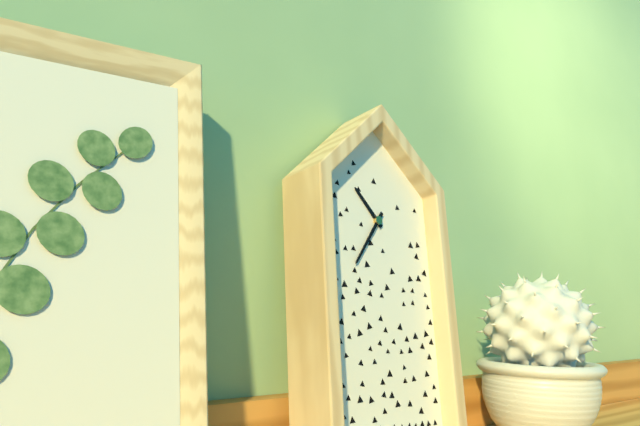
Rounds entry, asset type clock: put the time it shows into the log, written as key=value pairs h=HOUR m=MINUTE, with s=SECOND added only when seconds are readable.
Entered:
h=10 m=36
